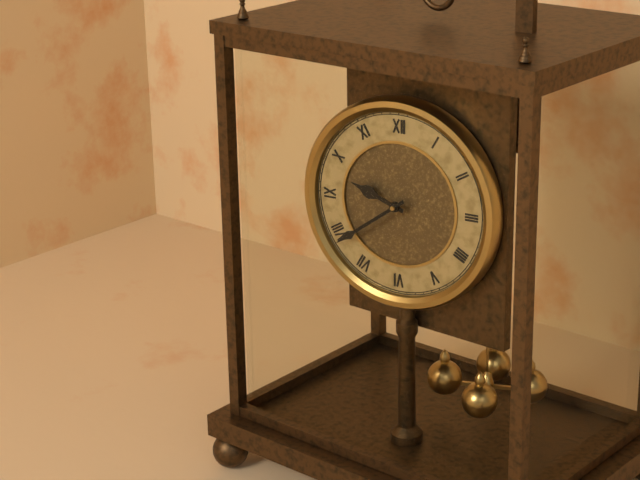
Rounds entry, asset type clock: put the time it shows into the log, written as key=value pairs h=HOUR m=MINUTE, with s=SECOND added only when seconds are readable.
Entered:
h=9 m=39
